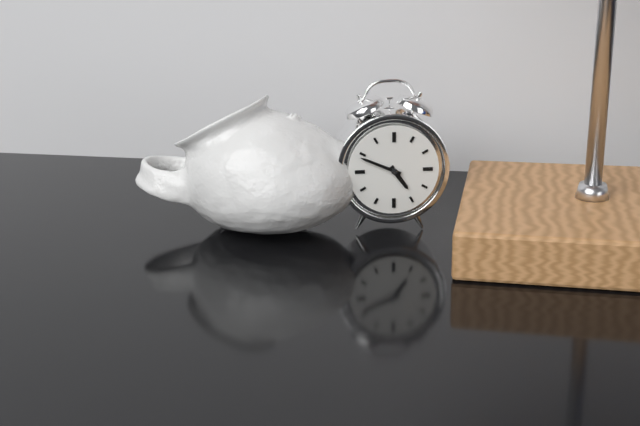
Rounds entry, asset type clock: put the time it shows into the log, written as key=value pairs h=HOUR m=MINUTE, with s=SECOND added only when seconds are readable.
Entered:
h=4 m=49
